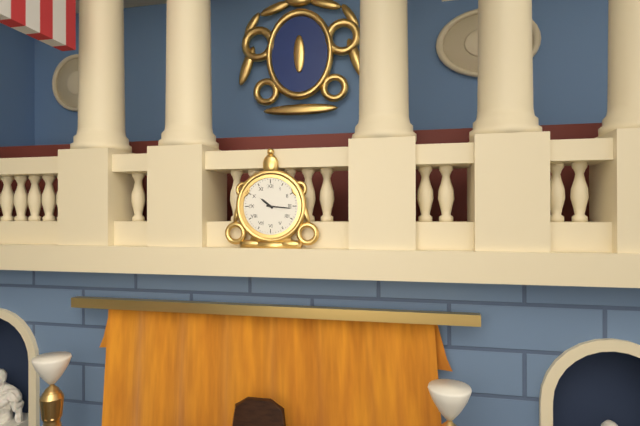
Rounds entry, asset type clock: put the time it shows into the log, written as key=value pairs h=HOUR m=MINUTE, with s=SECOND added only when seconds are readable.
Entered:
h=10 m=16
